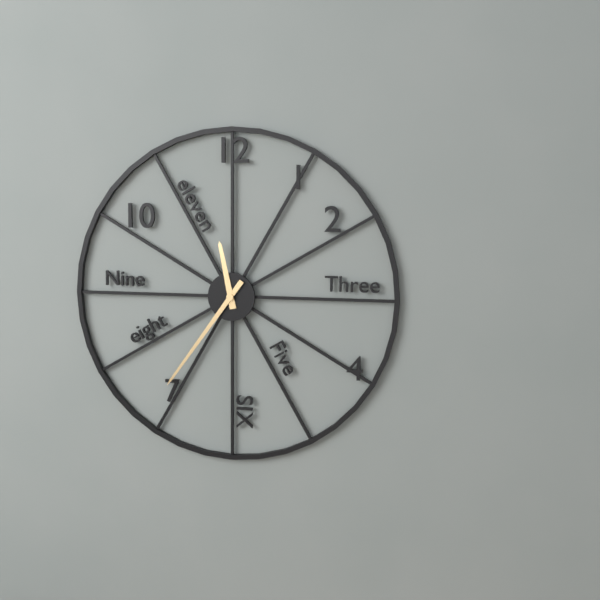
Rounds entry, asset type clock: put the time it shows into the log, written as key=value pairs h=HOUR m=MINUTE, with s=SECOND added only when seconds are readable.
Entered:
h=11 m=36
